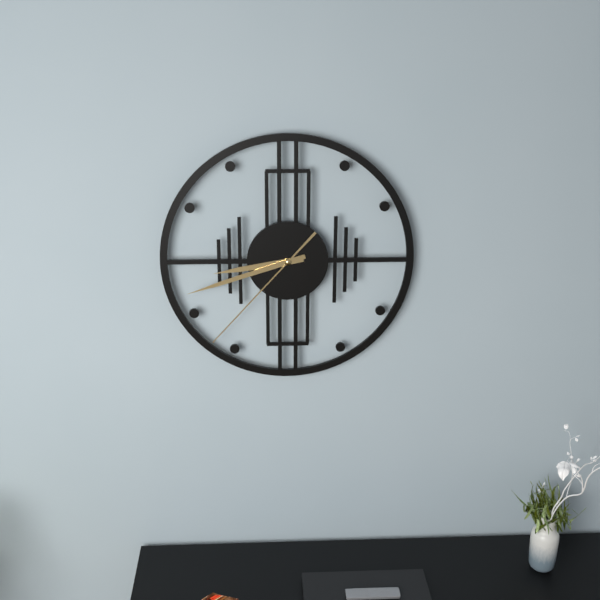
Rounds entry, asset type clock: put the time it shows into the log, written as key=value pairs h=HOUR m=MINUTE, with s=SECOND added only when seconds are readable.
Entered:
h=8 m=42 s=37
